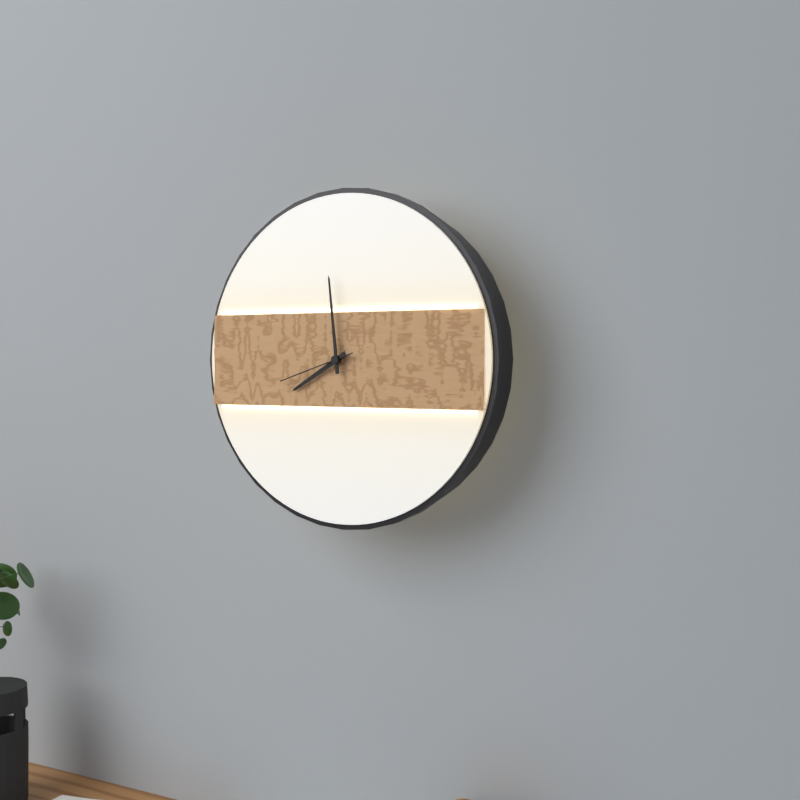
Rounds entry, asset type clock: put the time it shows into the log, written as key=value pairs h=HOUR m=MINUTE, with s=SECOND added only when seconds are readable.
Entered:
h=7 m=59 s=42
